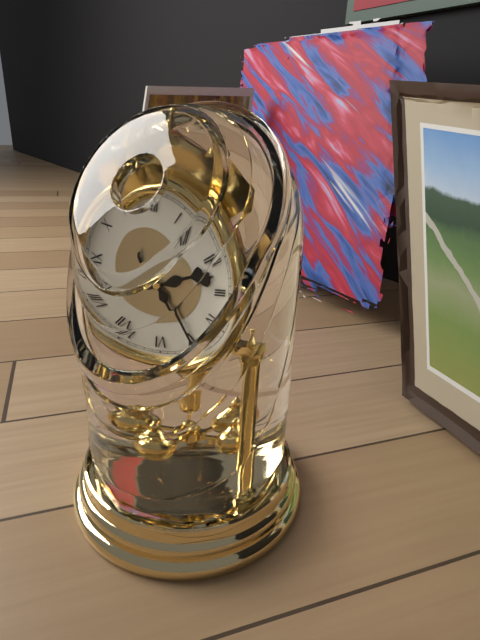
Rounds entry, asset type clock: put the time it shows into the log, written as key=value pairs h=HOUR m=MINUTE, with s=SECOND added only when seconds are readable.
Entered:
h=2 m=25
